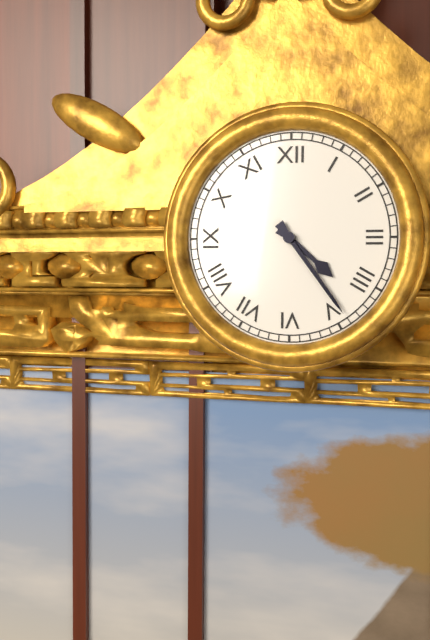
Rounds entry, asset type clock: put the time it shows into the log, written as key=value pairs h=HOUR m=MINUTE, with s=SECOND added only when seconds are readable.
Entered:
h=4 m=24
